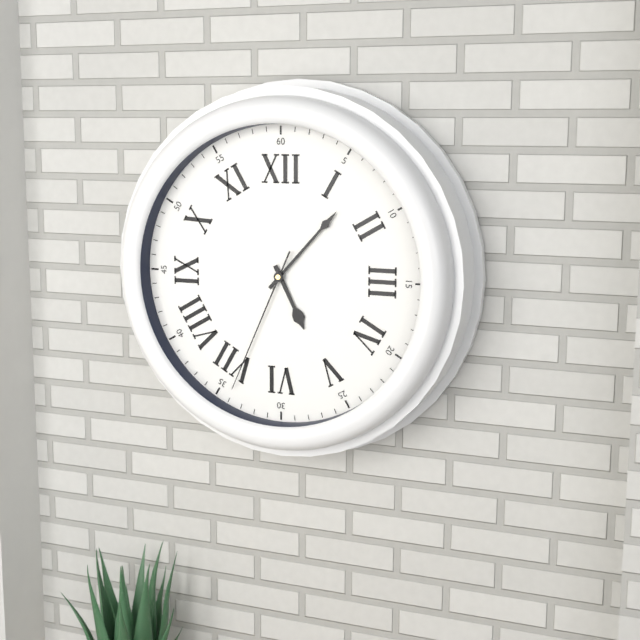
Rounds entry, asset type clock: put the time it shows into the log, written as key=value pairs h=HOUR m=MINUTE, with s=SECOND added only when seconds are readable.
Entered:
h=5 m=7 s=34
